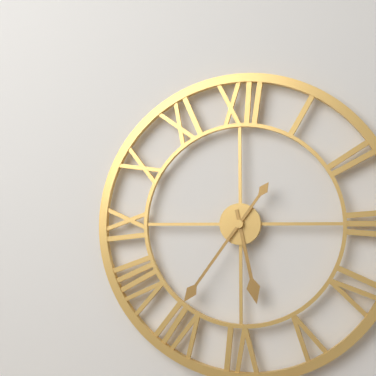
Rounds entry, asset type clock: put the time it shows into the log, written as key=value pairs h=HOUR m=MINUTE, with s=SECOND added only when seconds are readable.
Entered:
h=5 m=36
